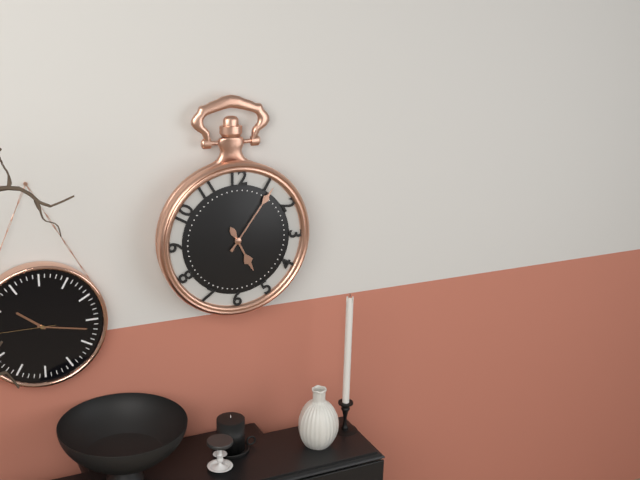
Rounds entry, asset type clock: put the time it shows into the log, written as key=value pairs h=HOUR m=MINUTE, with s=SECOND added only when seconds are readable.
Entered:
h=5 m=6
